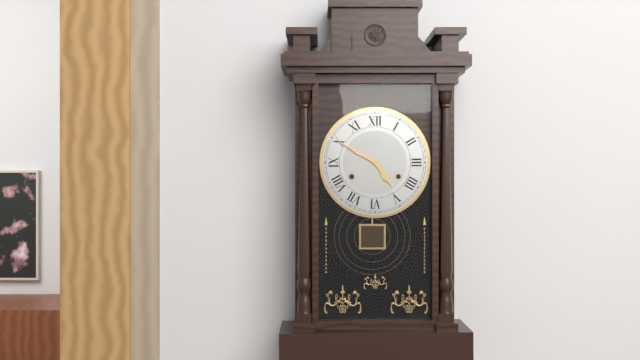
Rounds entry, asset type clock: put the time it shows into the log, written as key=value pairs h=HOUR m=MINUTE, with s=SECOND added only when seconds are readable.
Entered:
h=4 m=50
